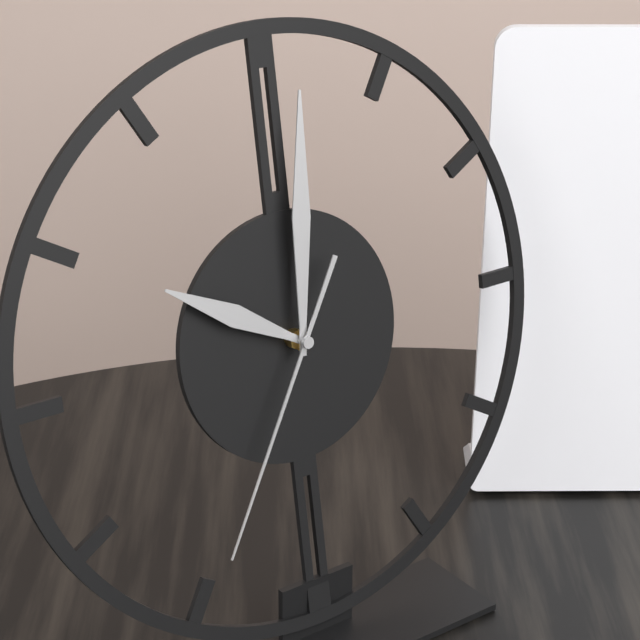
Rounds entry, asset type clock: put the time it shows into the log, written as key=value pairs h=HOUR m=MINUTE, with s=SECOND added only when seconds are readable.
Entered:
h=10 m=1 s=35
